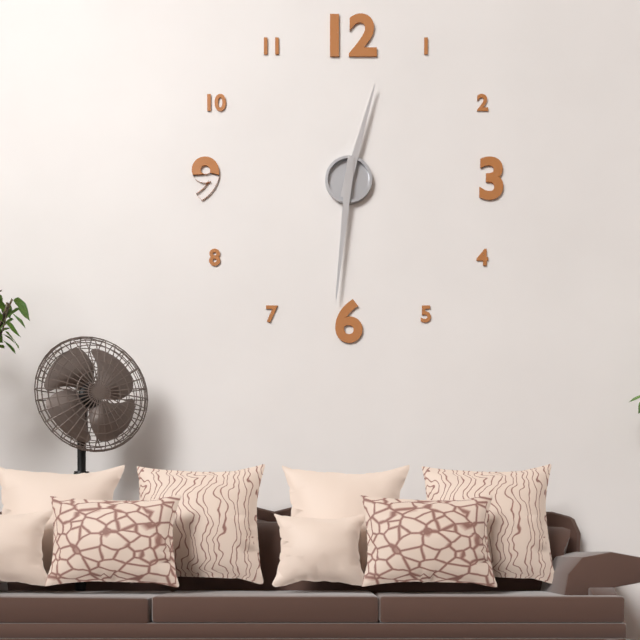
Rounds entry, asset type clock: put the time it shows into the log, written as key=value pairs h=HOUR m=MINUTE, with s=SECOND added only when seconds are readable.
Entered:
h=12 m=31
